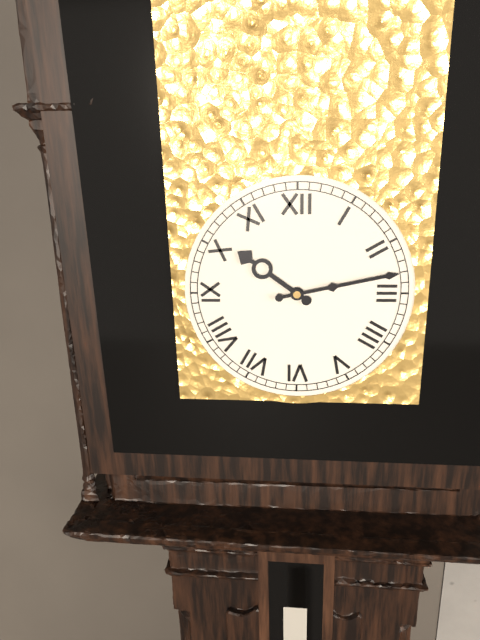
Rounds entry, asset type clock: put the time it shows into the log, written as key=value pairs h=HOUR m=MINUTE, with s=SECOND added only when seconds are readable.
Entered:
h=10 m=13
